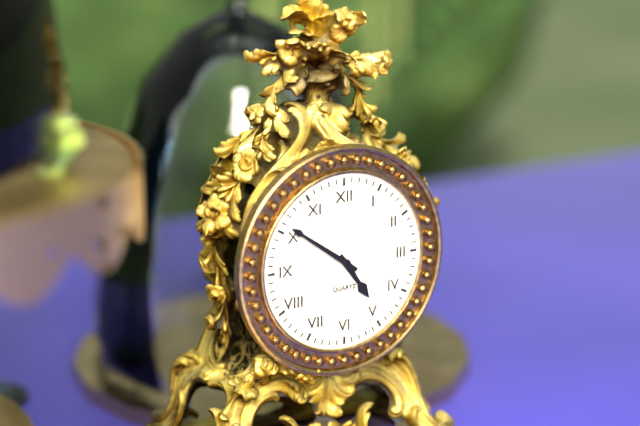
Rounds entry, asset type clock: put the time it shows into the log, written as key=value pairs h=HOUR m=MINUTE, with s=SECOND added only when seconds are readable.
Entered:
h=4 m=51
